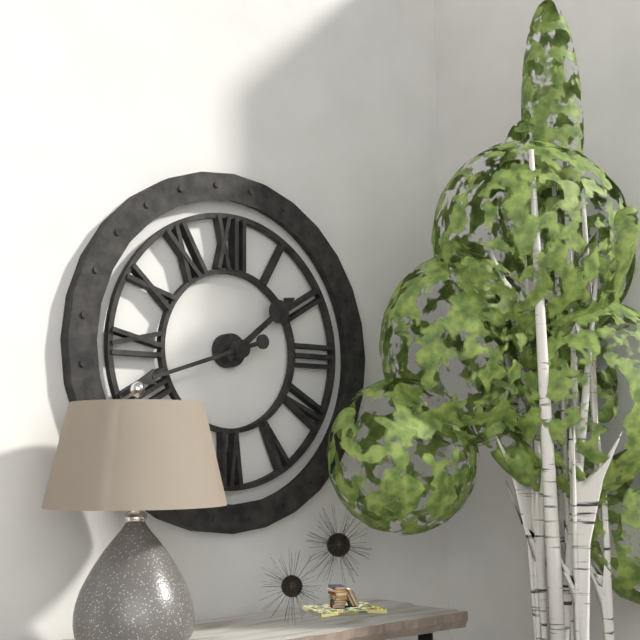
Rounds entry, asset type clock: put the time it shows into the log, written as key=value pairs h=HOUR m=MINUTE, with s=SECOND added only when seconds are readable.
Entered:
h=1 m=42
